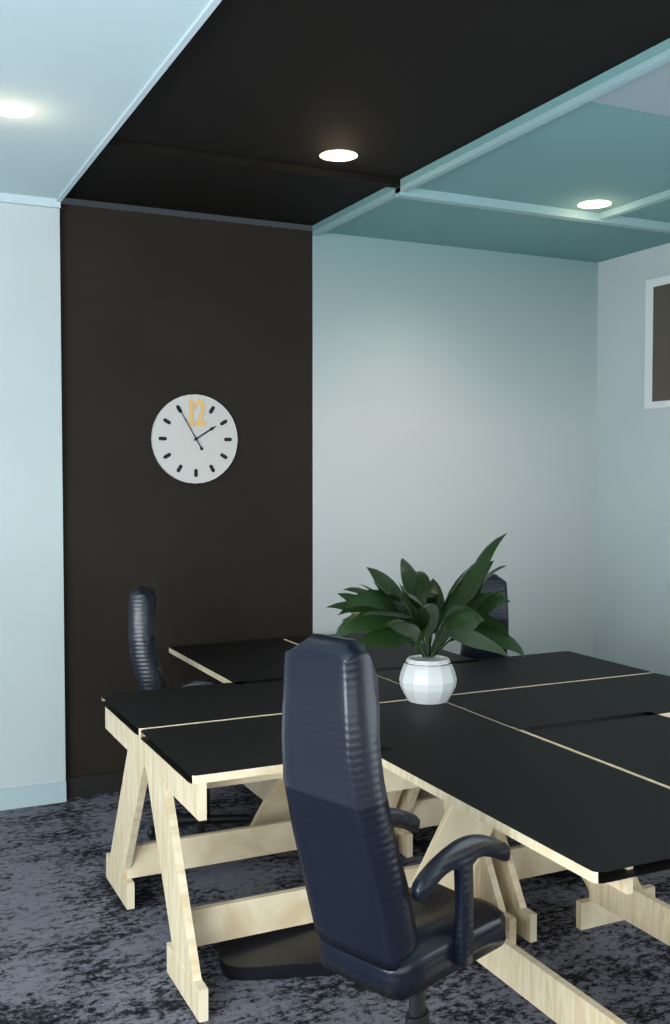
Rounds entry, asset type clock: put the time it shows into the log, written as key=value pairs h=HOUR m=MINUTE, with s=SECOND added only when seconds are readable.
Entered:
h=1 m=55
